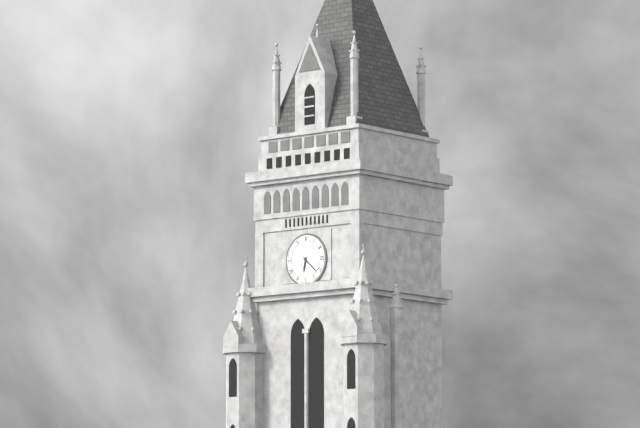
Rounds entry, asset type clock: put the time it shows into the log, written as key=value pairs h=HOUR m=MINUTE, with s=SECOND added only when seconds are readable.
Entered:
h=6 m=22
